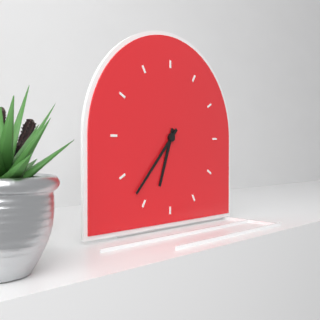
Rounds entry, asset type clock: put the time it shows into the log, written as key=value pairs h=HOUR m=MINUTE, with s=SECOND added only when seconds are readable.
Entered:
h=6 m=37
